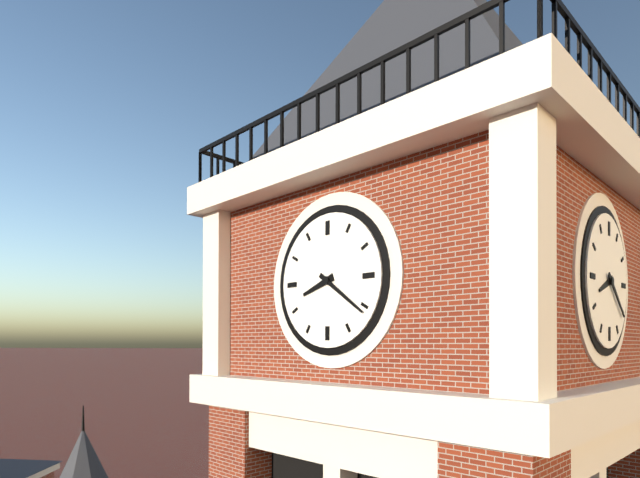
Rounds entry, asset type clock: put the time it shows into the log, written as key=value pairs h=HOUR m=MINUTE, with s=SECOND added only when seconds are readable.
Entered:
h=8 m=21
